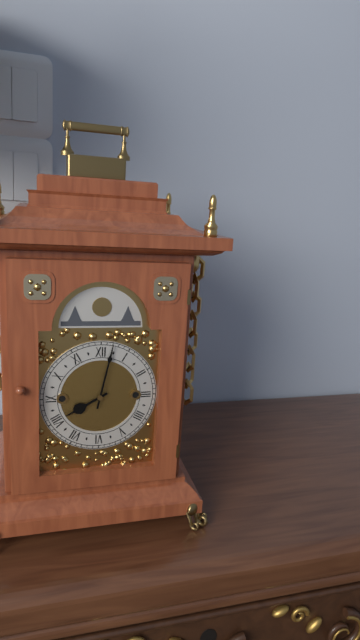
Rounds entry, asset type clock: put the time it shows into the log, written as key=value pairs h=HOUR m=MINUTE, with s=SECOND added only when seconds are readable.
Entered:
h=8 m=2
